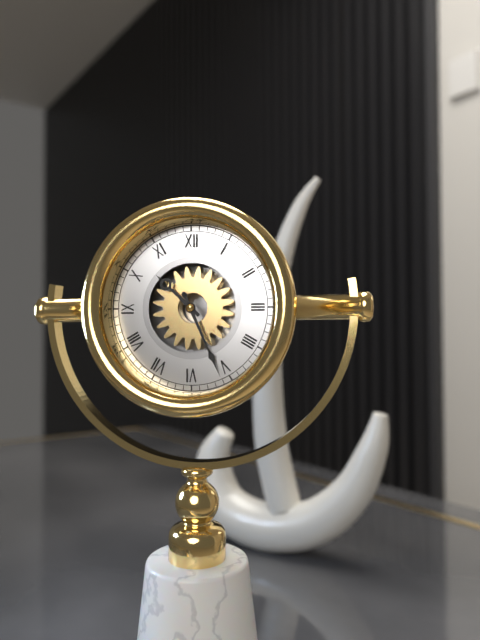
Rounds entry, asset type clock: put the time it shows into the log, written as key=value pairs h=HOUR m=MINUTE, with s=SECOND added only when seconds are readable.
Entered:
h=10 m=26
